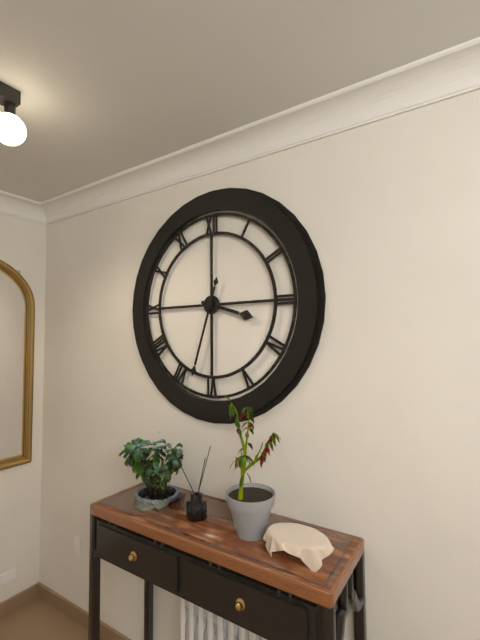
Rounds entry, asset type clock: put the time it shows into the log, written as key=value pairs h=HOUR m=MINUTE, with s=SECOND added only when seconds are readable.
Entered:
h=3 m=33
